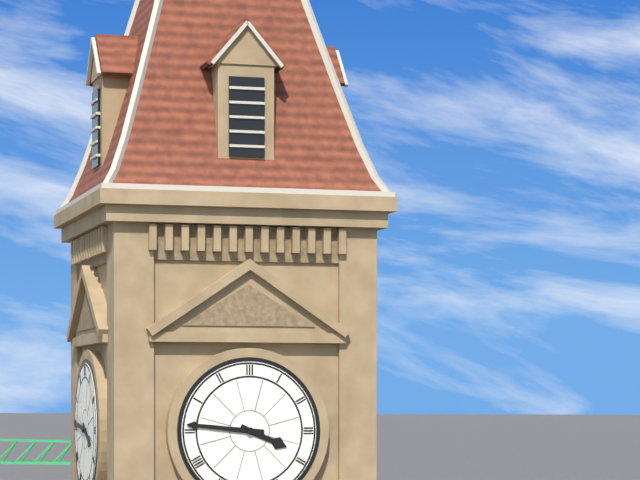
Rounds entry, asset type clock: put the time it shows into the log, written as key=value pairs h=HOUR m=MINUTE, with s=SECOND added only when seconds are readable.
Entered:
h=3 m=46
